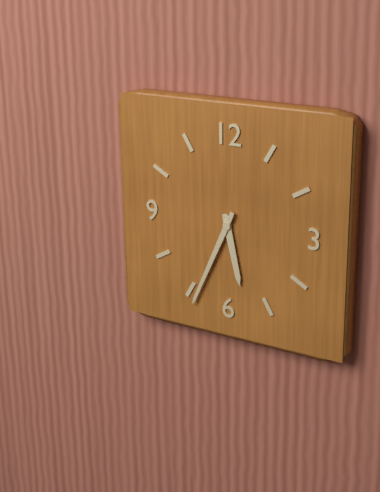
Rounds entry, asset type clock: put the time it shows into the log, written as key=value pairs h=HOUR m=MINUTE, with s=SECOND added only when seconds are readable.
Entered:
h=5 m=34
